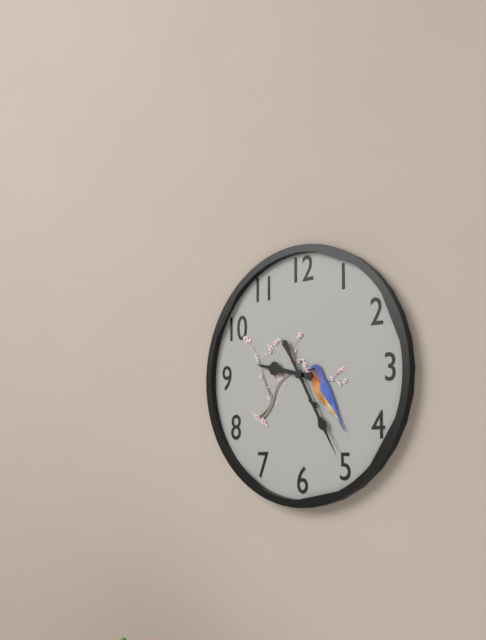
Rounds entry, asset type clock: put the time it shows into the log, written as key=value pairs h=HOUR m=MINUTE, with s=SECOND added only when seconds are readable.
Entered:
h=9 m=25
